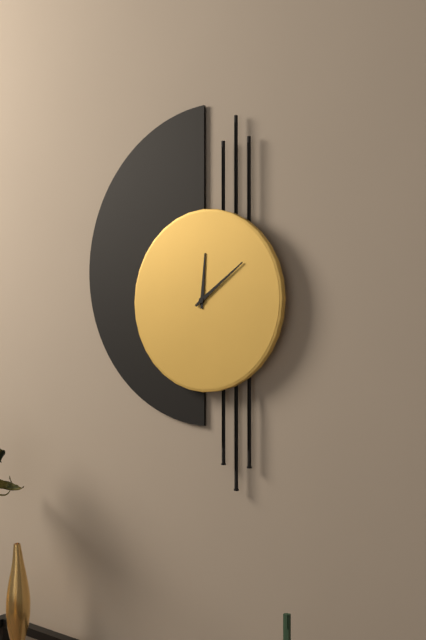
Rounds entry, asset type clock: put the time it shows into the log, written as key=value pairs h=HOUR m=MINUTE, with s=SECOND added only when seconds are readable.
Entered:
h=12 m=9
